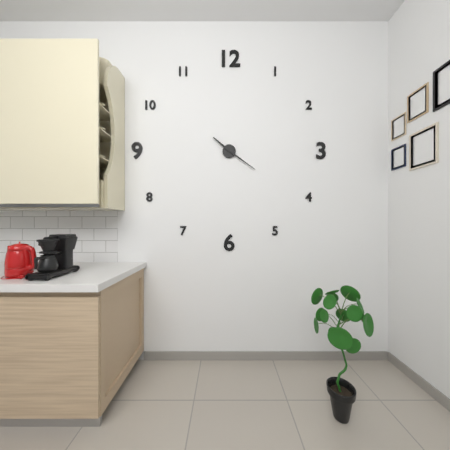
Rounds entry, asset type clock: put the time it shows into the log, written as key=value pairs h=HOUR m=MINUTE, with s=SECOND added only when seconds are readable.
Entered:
h=10 m=21
